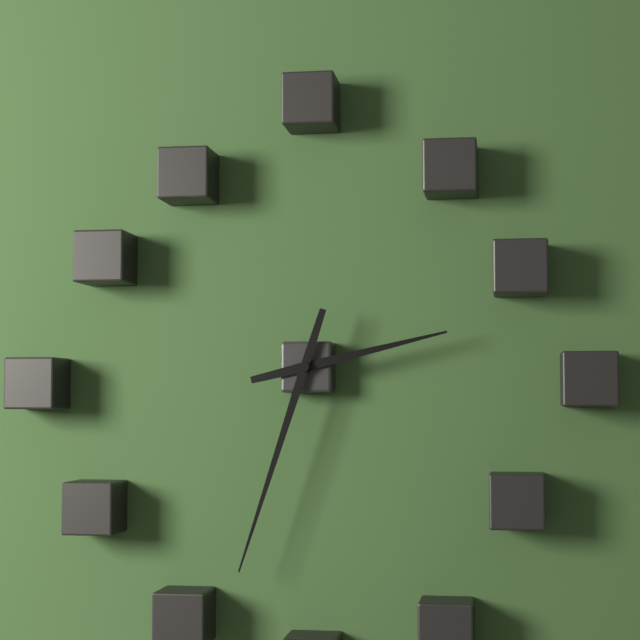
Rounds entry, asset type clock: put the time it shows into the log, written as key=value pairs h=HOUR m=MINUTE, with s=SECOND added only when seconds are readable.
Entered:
h=2 m=33
